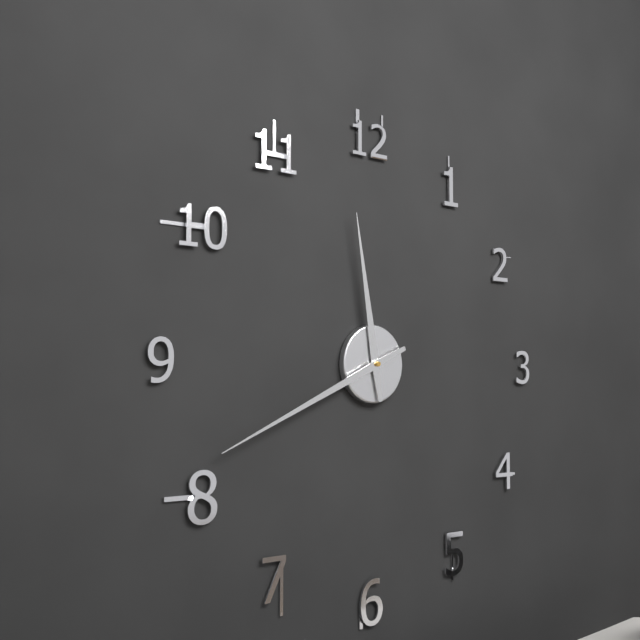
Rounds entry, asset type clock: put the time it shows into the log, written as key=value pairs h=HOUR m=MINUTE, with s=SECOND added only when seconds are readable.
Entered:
h=11 m=41
